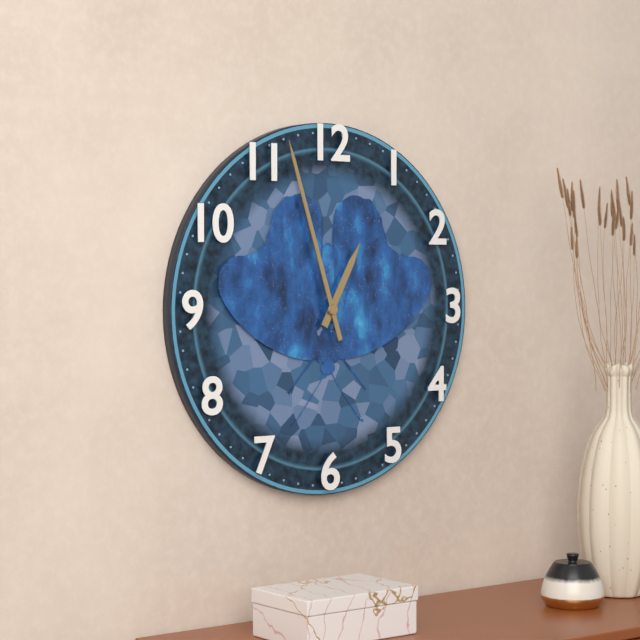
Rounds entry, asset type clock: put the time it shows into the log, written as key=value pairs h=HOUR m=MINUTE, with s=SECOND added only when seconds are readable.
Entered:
h=12 m=57
